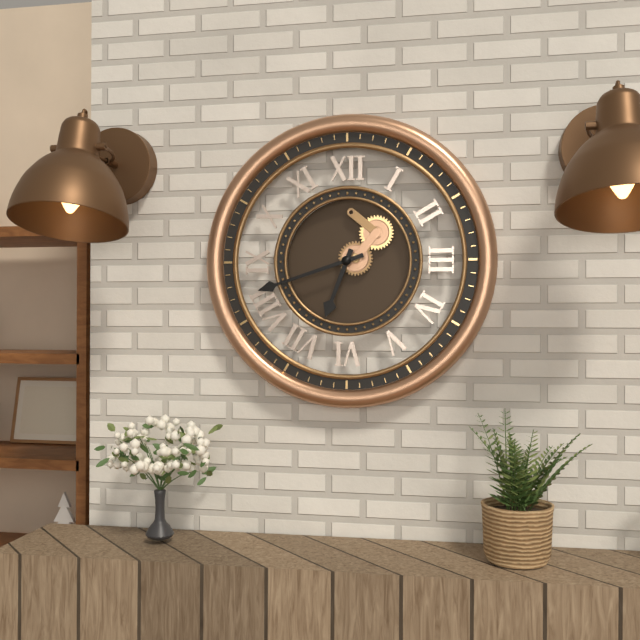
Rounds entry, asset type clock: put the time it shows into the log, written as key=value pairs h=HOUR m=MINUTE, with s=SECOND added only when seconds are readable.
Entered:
h=6 m=42
